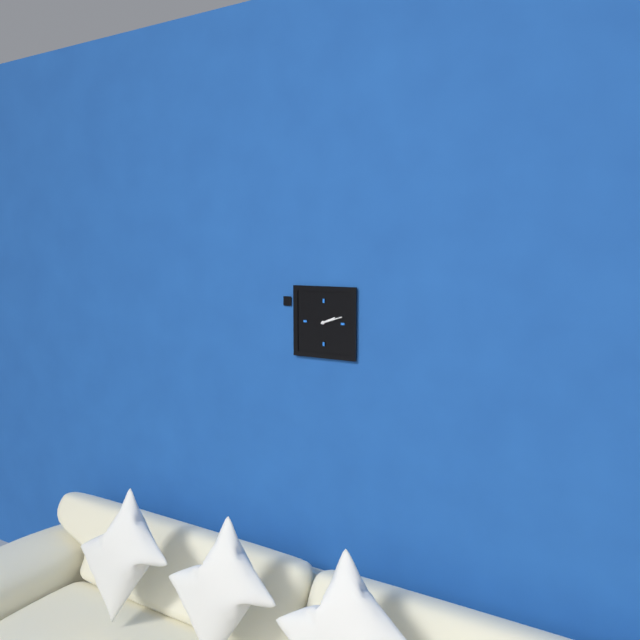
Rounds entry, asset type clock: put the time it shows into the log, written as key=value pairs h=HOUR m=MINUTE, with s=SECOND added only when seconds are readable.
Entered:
h=2 m=12
